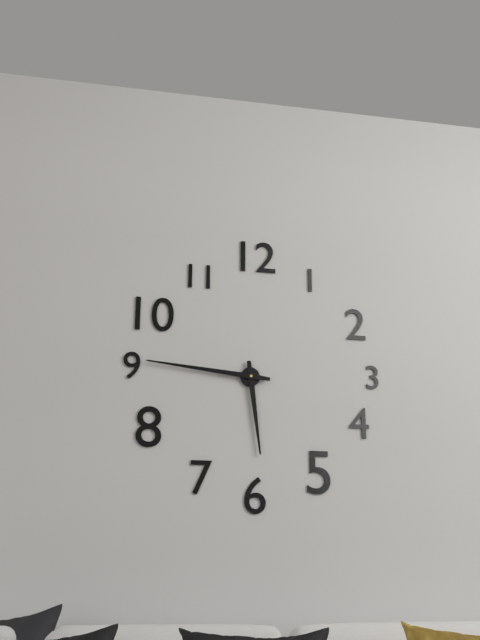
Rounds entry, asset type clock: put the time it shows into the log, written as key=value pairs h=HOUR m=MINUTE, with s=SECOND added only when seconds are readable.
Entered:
h=5 m=46
